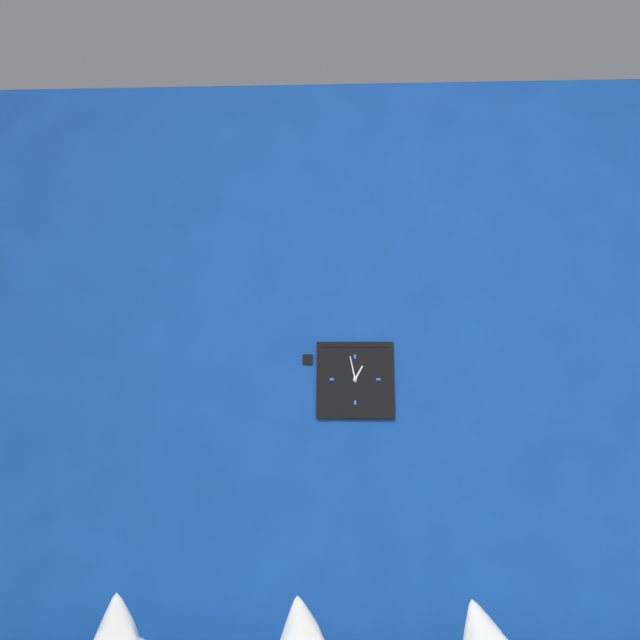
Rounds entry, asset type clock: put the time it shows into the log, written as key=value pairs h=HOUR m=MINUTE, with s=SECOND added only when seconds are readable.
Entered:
h=12 m=58
